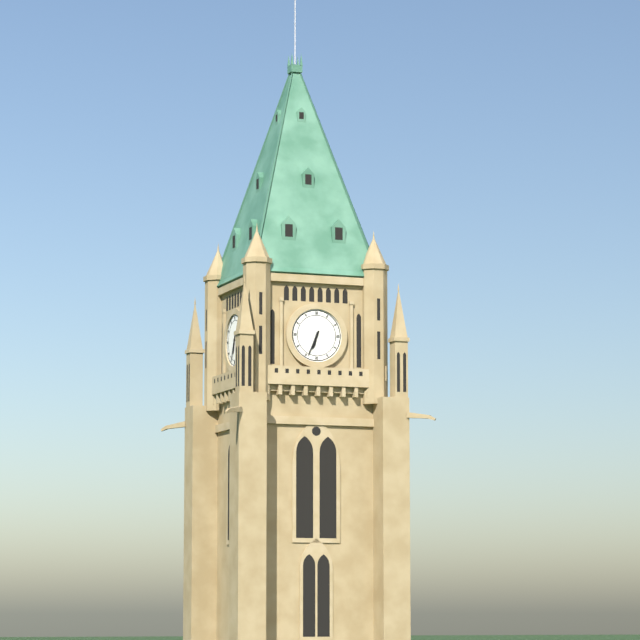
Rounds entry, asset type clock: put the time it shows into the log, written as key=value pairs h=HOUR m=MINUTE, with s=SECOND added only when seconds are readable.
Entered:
h=6 m=34
